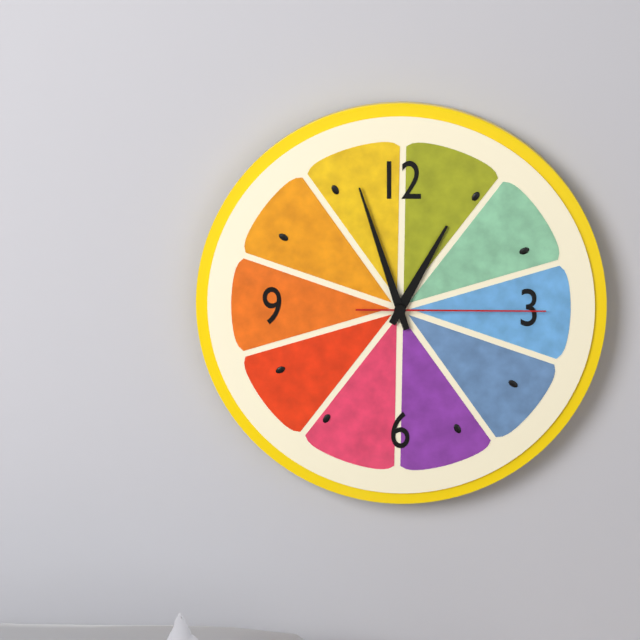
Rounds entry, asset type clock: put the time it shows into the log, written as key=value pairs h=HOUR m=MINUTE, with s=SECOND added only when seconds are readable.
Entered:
h=12 m=57 s=15
